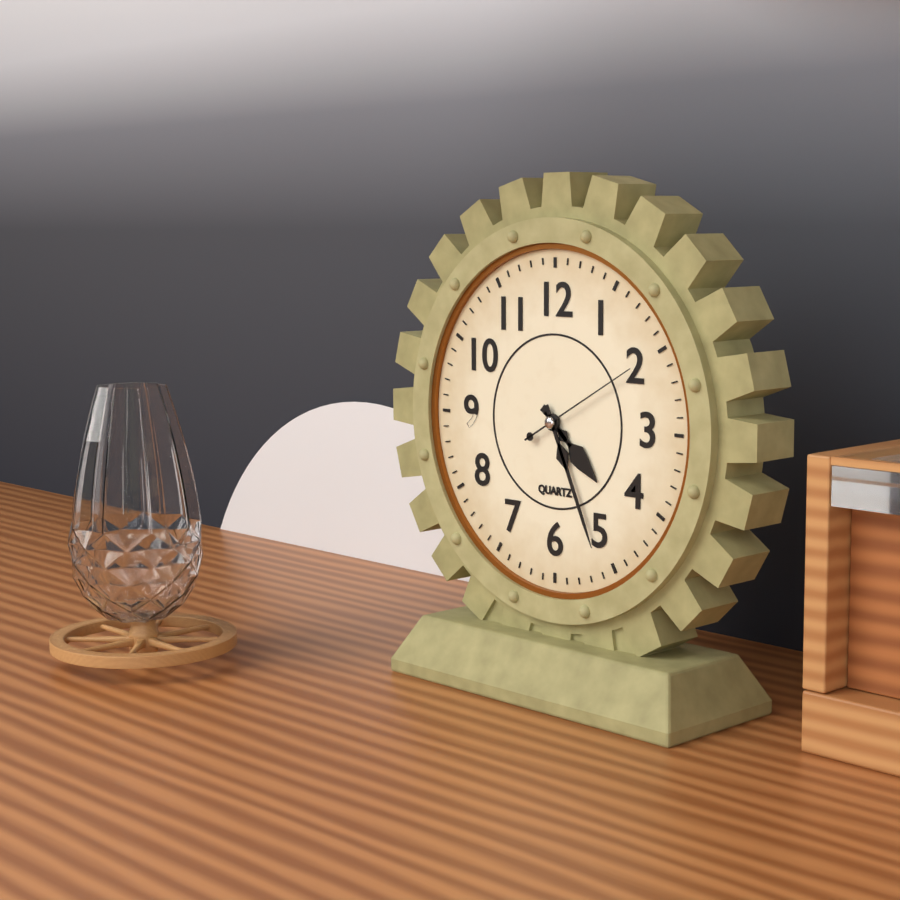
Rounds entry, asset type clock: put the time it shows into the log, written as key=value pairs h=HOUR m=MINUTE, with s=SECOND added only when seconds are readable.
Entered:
h=4 m=26 s=10
